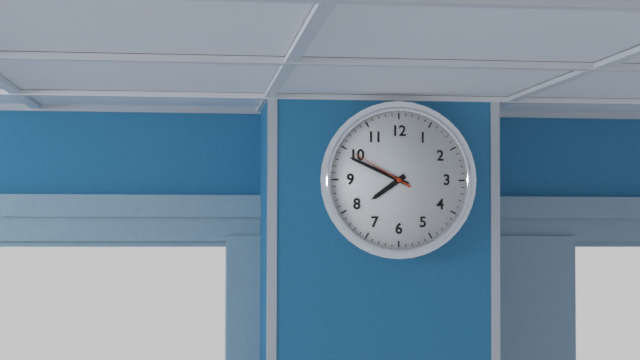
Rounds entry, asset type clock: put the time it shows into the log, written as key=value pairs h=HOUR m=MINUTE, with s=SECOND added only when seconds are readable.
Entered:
h=7 m=49 s=50
